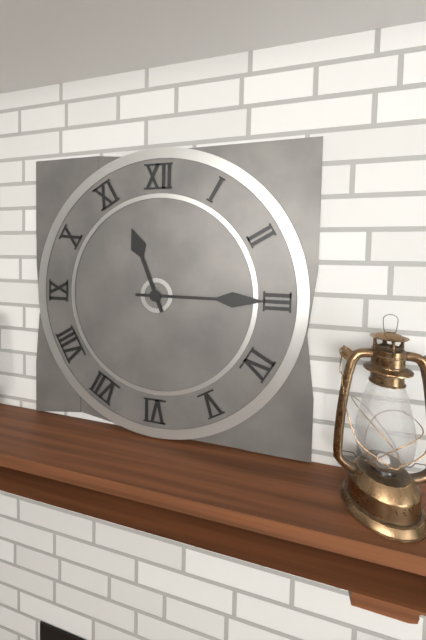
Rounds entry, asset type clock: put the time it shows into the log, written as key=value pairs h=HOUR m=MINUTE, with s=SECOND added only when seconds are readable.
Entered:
h=11 m=15
